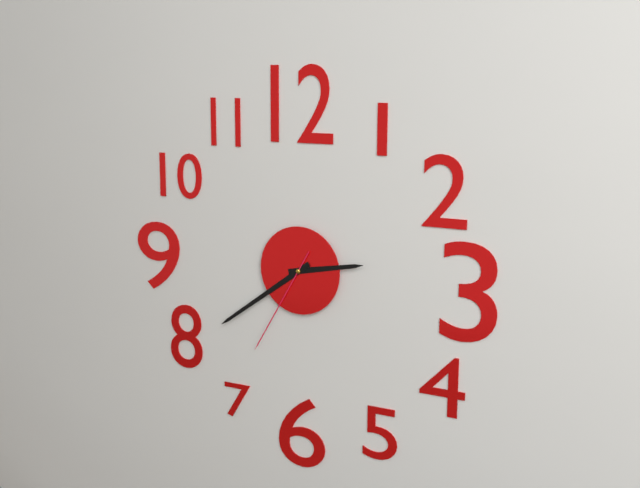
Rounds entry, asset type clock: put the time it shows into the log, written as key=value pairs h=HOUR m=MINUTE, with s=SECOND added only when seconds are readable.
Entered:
h=2 m=39 s=35
